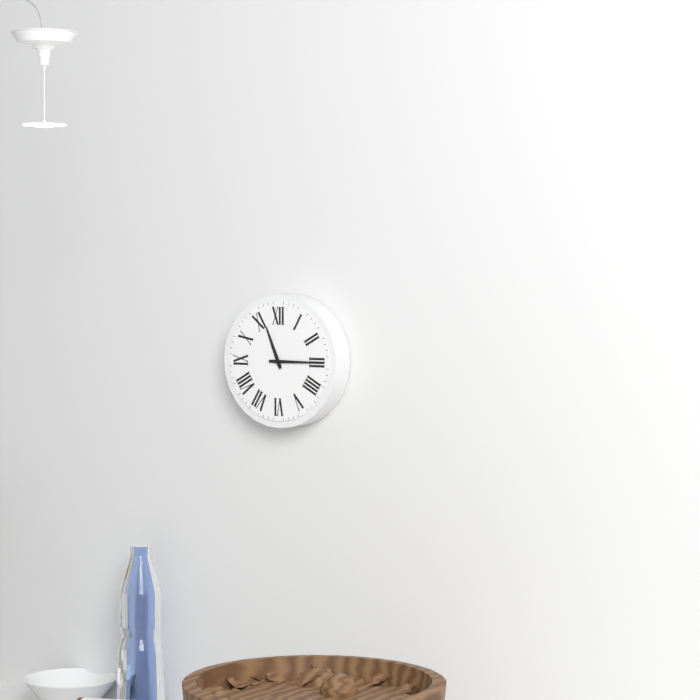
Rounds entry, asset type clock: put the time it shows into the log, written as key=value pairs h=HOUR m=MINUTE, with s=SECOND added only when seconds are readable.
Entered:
h=11 m=15
